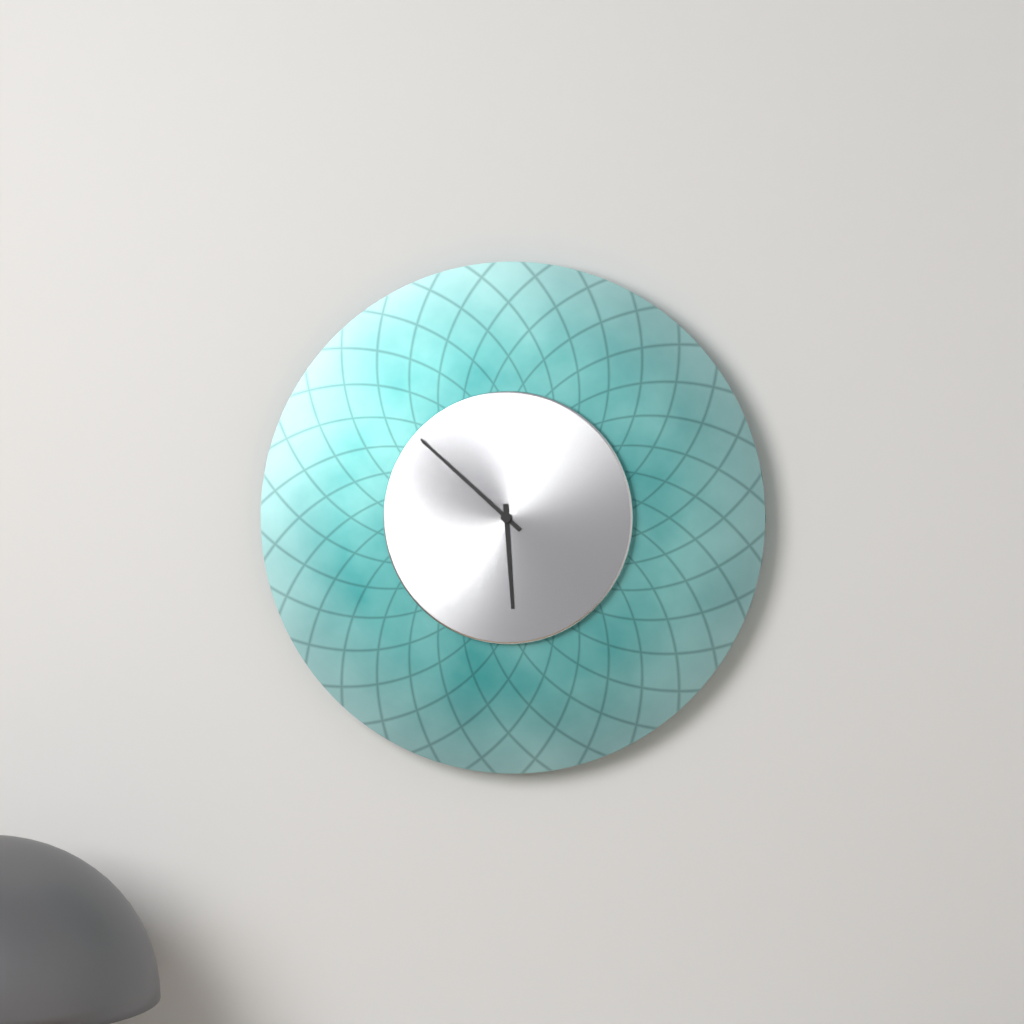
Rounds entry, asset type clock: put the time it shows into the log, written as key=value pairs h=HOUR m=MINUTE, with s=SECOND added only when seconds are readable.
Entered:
h=5 m=52
